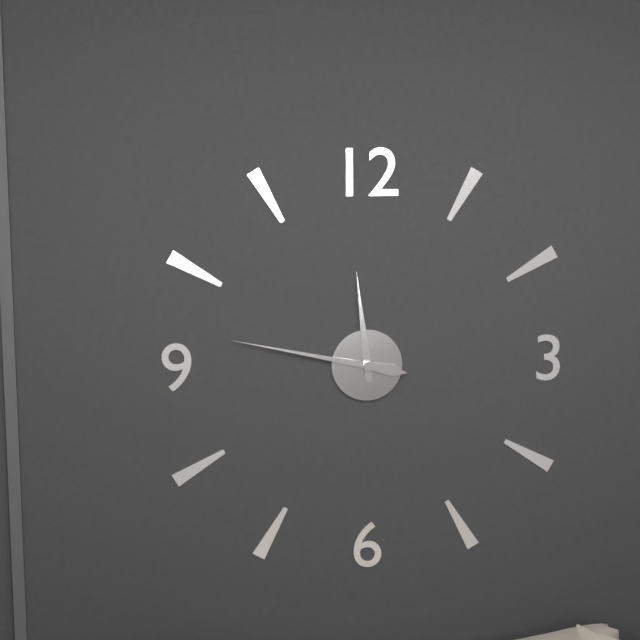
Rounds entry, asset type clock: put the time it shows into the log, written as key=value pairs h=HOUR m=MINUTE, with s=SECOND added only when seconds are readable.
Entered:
h=11 m=47
